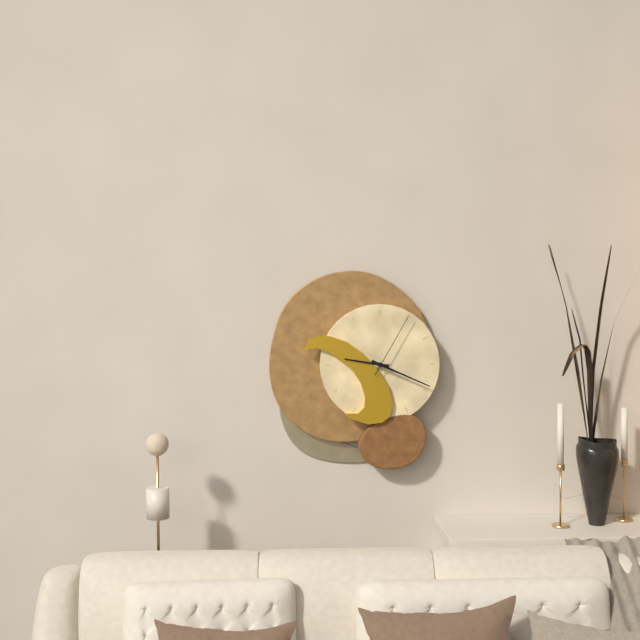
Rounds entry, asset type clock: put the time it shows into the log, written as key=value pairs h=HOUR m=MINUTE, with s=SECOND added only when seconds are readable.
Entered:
h=9 m=19 s=5
